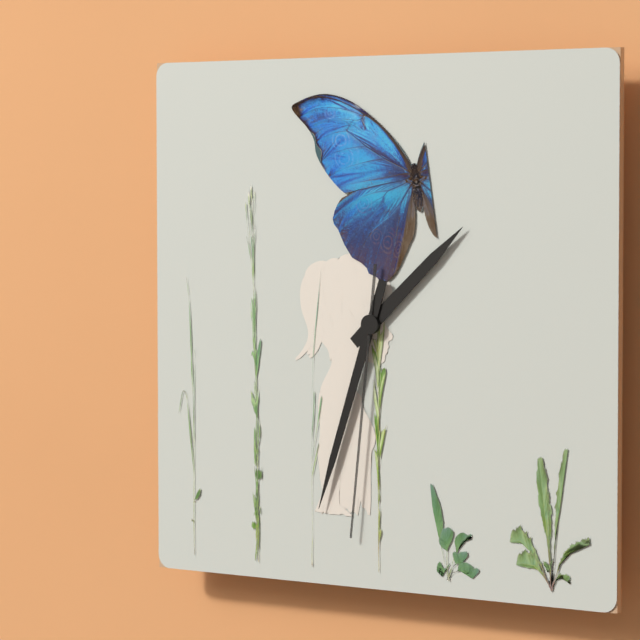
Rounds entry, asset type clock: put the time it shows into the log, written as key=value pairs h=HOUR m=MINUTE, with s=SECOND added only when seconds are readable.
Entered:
h=1 m=33 s=31
